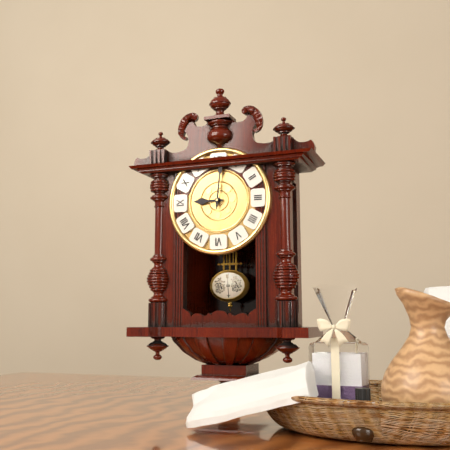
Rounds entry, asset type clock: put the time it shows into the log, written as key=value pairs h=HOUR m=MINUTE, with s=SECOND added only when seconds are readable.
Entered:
h=9 m=1
